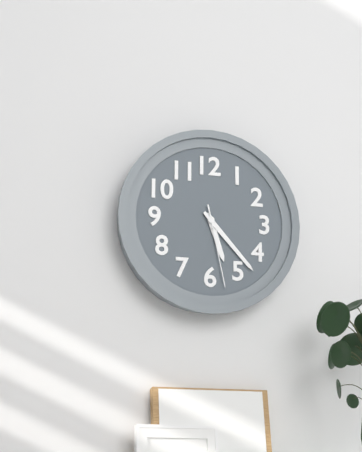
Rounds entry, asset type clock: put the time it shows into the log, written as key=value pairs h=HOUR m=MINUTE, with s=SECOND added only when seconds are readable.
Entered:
h=5 m=23 s=28
